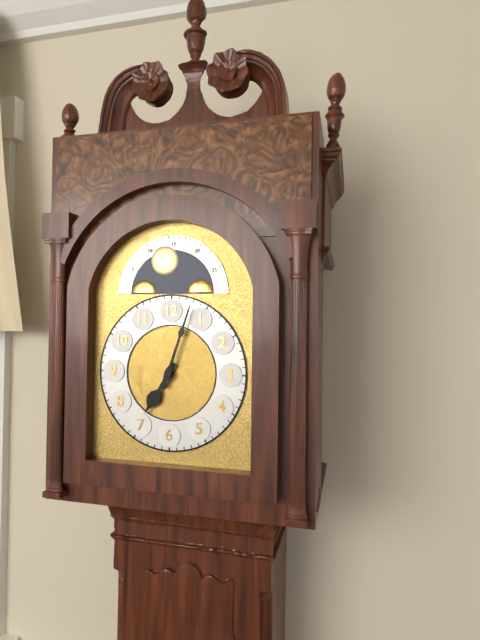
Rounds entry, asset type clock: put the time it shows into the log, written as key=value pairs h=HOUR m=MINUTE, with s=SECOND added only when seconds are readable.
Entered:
h=7 m=3
